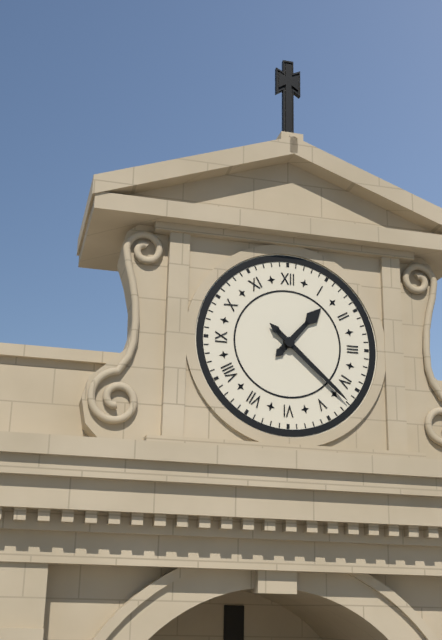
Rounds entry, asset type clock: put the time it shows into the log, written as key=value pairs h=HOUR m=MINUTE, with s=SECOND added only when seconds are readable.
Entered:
h=1 m=22
